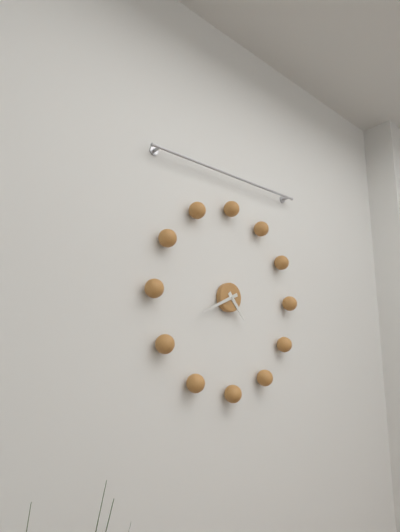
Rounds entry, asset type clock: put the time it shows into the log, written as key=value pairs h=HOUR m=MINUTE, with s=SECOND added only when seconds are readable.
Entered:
h=4 m=41
